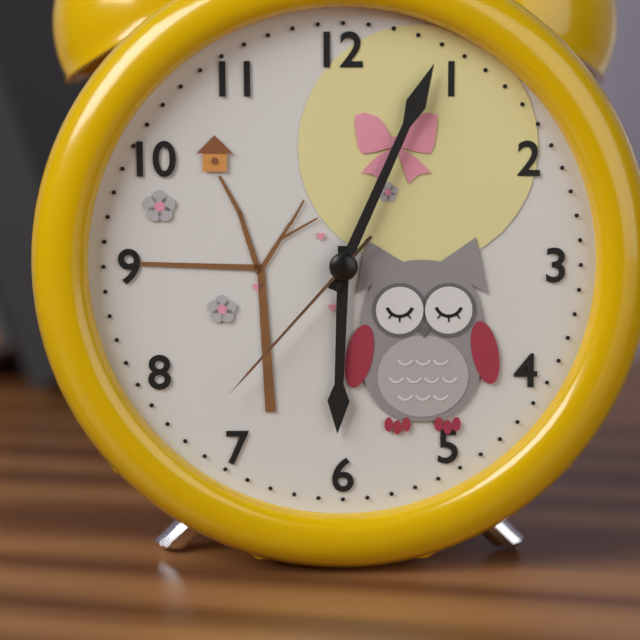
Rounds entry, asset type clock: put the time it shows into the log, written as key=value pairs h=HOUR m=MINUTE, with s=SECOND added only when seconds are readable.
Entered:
h=6 m=4 s=37
